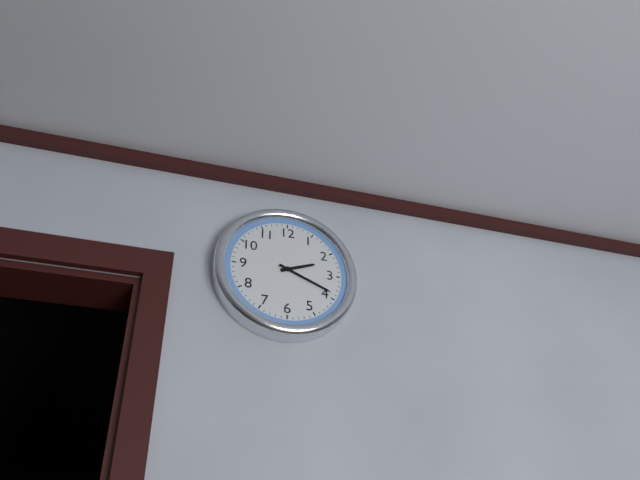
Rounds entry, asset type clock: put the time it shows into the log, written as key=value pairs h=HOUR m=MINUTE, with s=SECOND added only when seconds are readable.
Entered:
h=2 m=19
